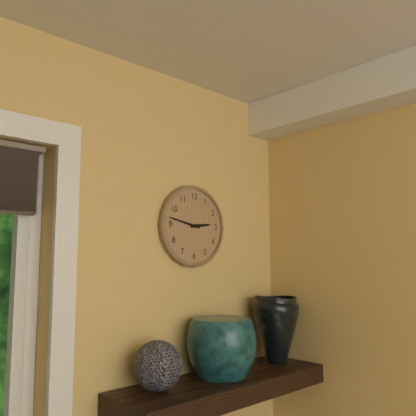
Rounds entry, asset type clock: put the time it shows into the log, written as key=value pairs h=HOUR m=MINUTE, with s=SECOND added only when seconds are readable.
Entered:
h=2 m=47
